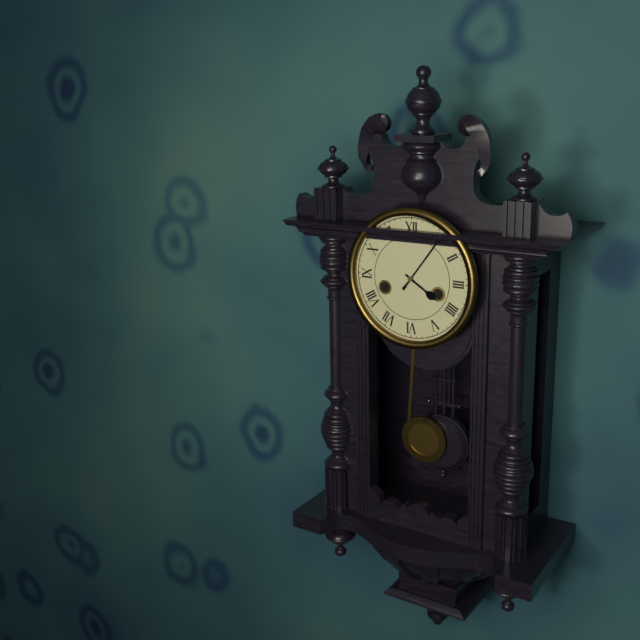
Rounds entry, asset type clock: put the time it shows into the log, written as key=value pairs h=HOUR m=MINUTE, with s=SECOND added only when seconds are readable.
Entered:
h=4 m=6
